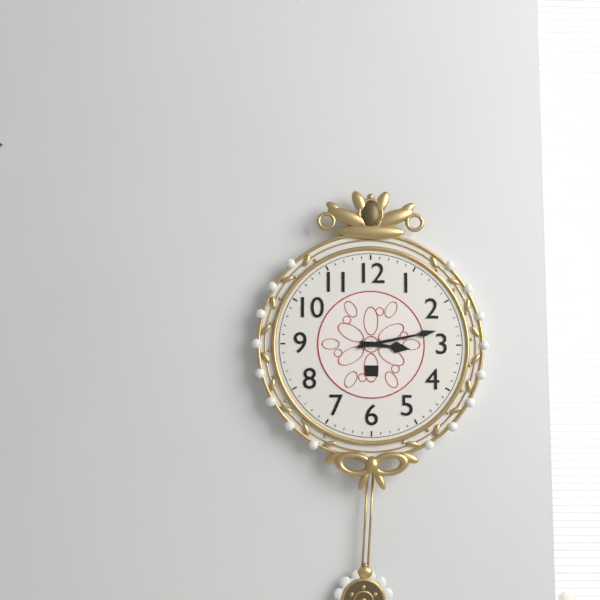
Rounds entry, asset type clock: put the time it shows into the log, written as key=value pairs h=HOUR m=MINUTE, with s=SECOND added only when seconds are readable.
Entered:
h=3 m=13
